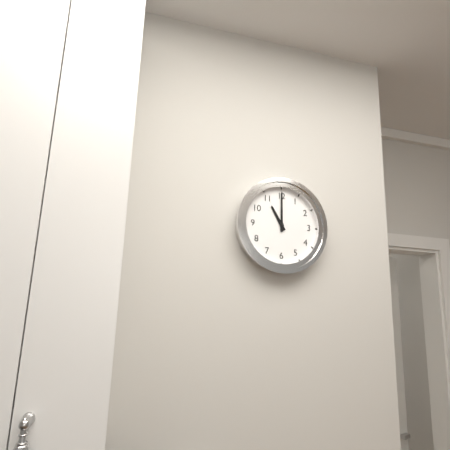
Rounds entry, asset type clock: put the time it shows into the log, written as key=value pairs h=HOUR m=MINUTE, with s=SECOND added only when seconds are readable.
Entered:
h=11 m=0
